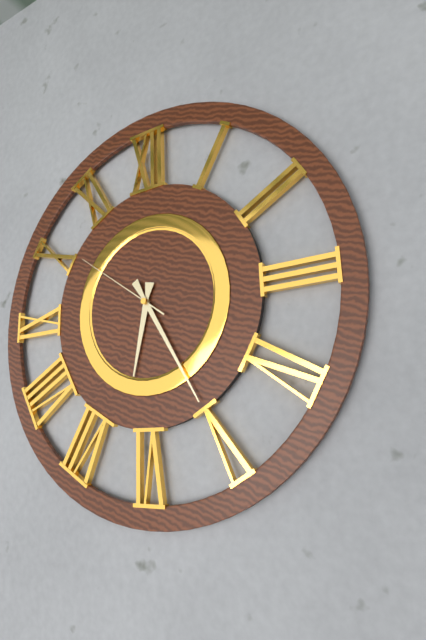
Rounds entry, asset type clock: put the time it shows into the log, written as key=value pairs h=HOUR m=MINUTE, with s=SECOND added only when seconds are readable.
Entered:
h=6 m=25 s=51
